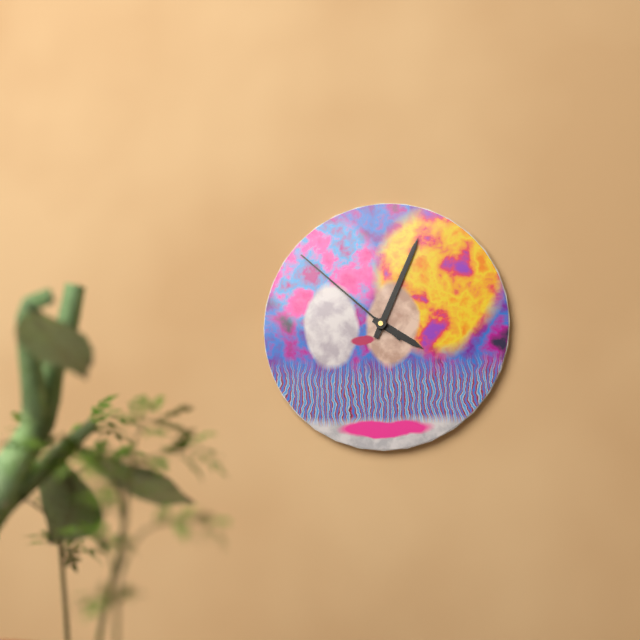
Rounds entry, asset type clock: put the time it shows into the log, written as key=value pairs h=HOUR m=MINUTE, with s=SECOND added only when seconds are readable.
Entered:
h=4 m=4 s=52
